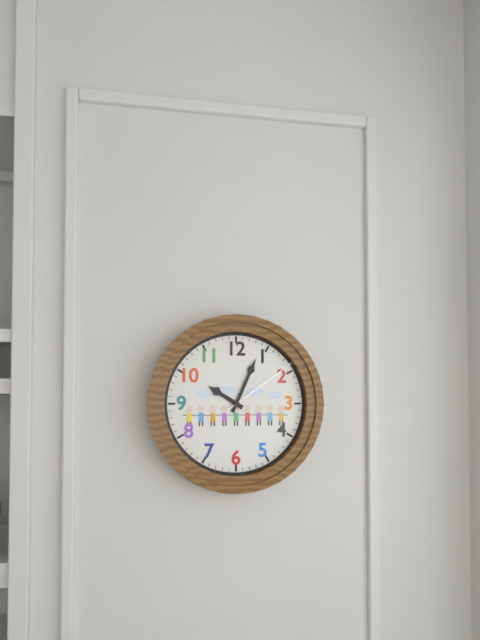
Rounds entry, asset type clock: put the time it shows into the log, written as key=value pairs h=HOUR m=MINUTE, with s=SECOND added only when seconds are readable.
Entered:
h=10 m=4 s=9
